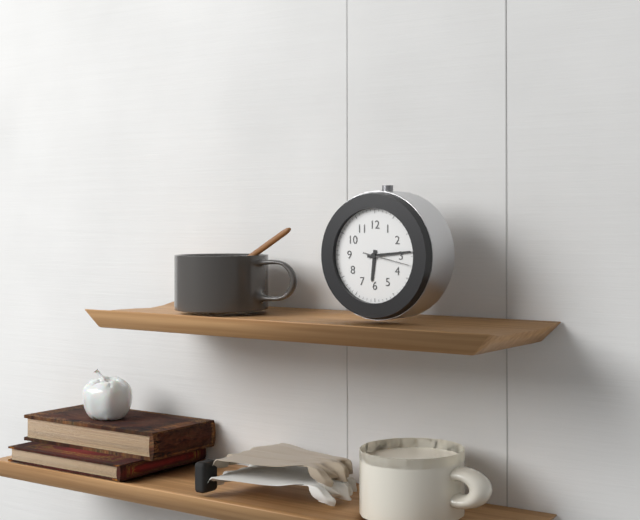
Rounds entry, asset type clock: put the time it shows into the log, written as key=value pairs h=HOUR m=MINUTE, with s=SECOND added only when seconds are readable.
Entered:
h=6 m=14
